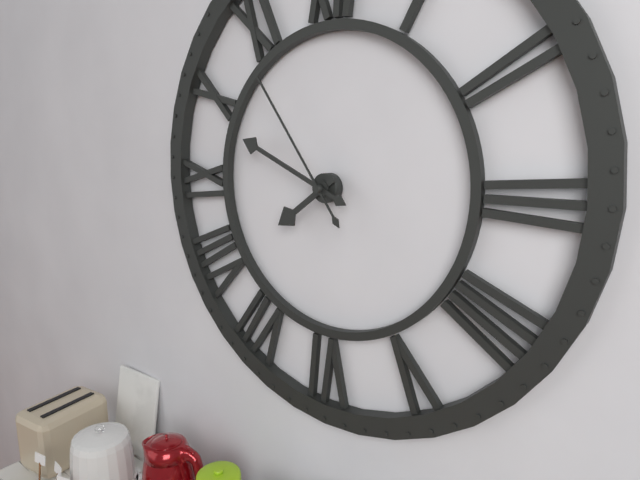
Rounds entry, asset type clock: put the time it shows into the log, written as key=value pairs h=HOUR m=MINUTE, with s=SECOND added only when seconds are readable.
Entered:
h=7 m=49 s=54
